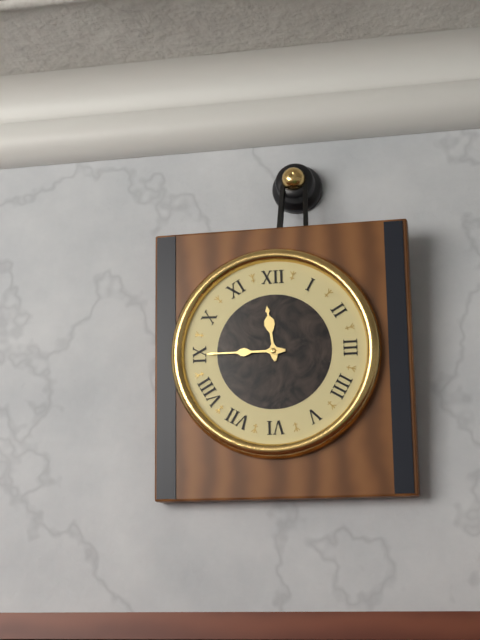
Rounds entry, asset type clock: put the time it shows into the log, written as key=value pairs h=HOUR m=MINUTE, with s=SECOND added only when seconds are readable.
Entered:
h=11 m=45
